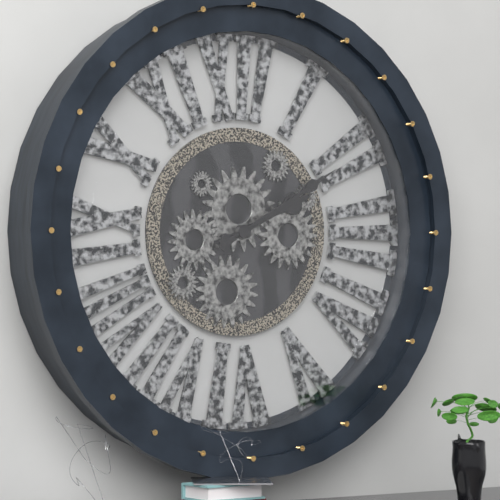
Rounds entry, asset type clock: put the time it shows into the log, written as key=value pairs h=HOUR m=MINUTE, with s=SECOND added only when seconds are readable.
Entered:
h=2 m=10
